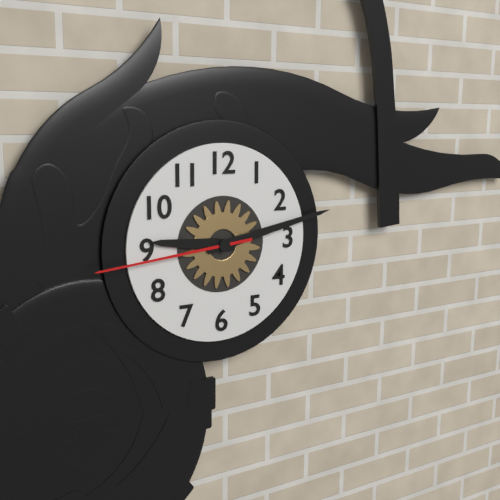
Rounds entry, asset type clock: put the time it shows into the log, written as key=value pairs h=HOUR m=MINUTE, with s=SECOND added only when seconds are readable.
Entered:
h=9 m=13 s=44
